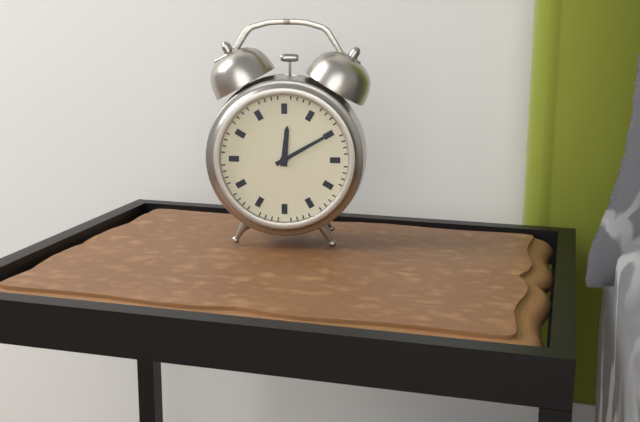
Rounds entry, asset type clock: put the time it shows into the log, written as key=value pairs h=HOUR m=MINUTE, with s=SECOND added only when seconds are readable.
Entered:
h=12 m=10
